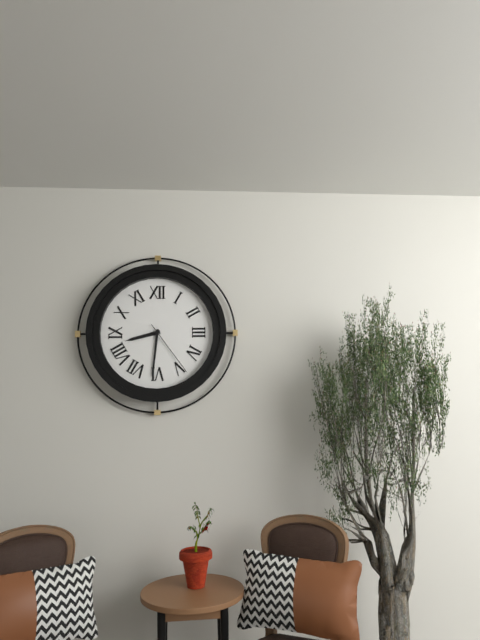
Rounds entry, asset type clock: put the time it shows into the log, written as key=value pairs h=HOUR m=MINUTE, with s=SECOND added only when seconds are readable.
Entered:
h=8 m=31 s=24
